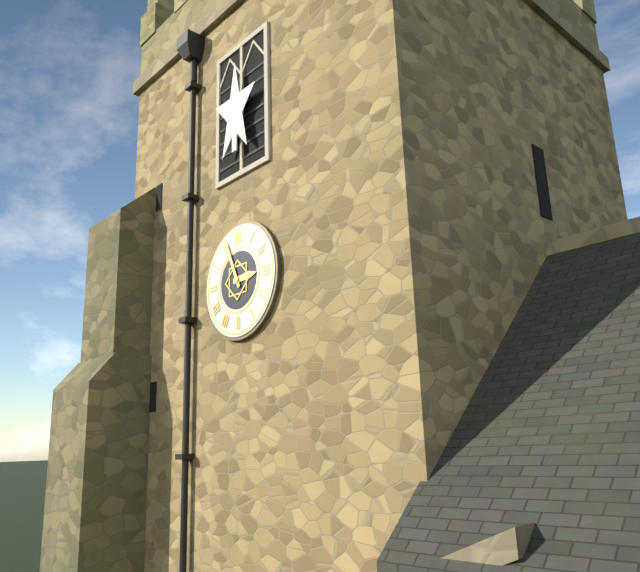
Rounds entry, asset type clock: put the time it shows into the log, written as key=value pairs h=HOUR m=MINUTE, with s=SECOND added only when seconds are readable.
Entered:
h=2 m=56
